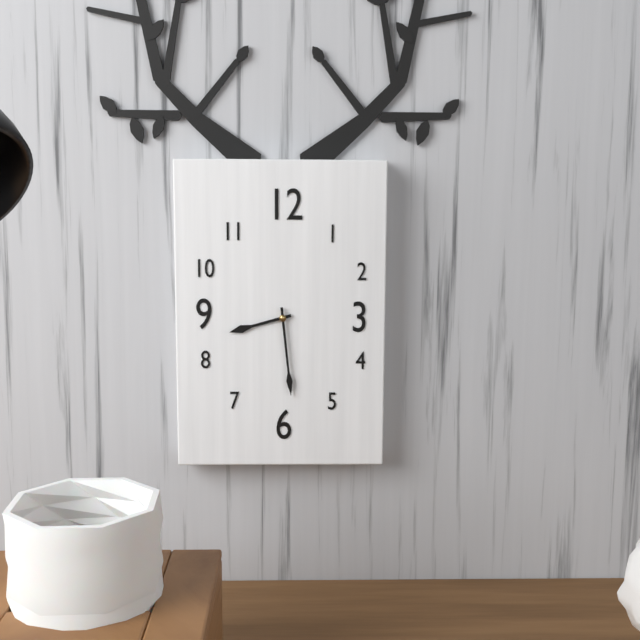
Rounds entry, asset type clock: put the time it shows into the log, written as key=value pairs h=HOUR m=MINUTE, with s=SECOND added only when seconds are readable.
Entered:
h=8 m=29
